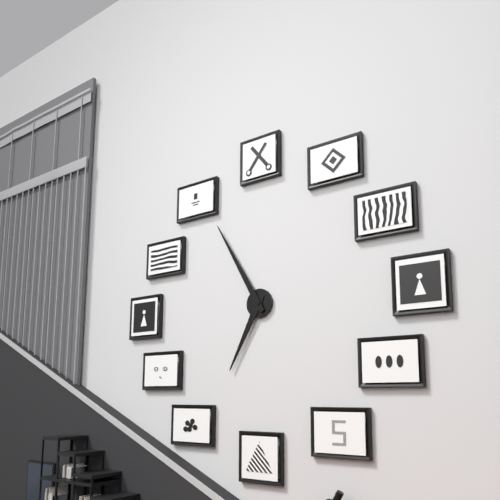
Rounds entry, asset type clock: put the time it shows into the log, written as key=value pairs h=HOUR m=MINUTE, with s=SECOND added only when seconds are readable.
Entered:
h=6 m=55
